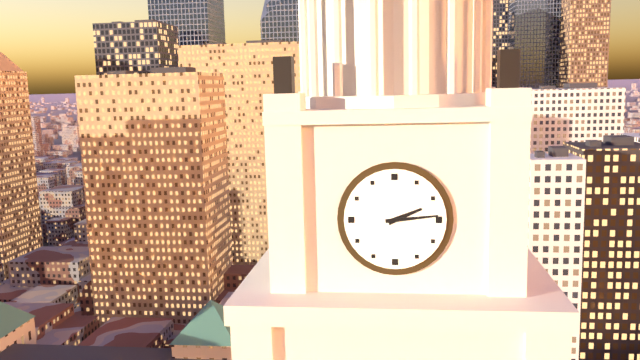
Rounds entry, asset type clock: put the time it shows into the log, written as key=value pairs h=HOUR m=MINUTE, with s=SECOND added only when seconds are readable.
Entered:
h=2 m=14
